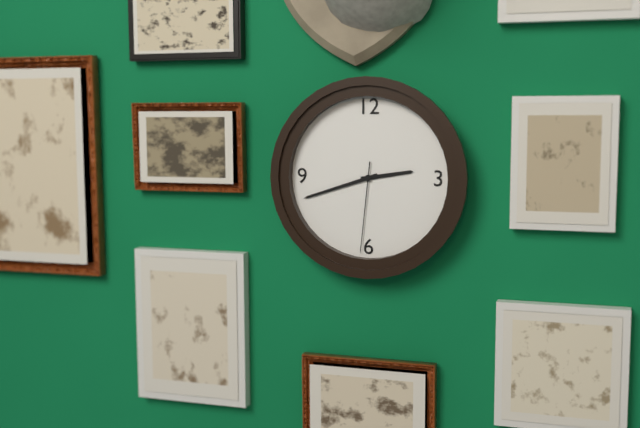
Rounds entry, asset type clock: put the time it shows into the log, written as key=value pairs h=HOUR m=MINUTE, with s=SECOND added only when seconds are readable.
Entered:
h=2 m=42 s=31
